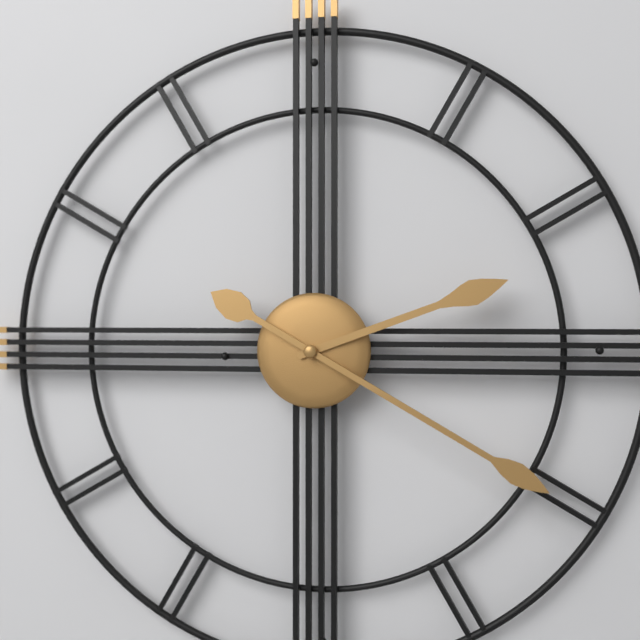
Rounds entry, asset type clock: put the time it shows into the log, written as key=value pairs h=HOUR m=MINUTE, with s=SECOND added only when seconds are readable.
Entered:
h=2 m=20
